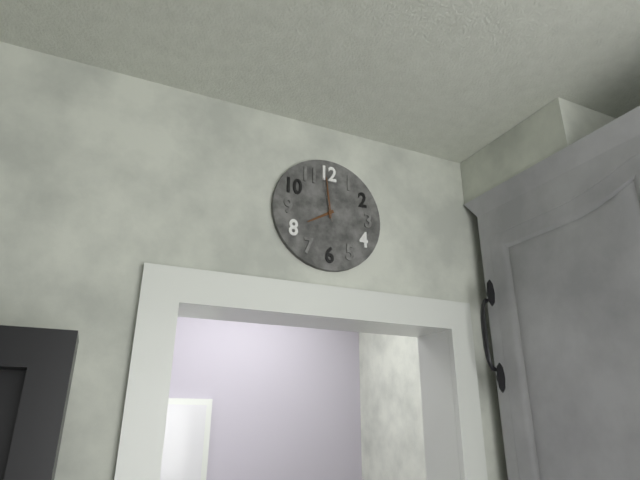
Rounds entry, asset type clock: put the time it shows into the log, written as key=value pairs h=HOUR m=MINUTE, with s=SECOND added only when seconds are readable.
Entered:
h=7 m=59
